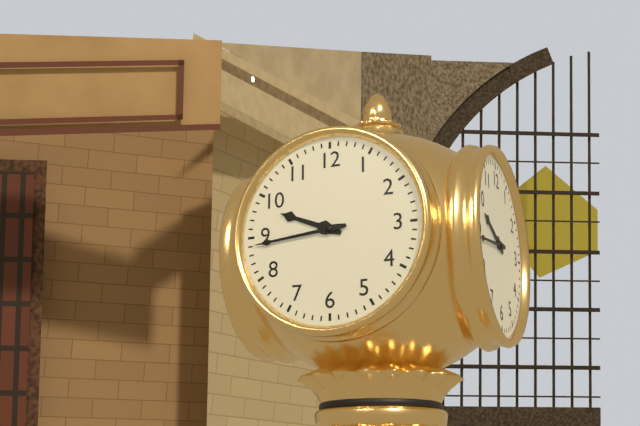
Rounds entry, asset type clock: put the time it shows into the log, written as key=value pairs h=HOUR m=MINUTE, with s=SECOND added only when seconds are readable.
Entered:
h=9 m=44
